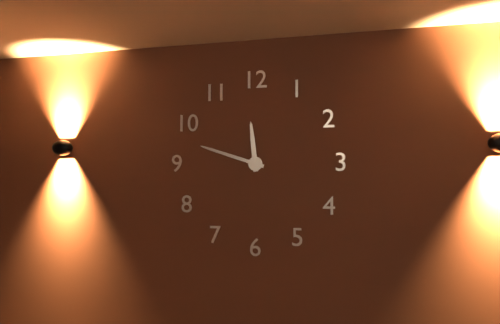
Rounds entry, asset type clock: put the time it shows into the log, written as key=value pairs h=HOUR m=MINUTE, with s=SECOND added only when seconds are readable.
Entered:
h=11 m=48
